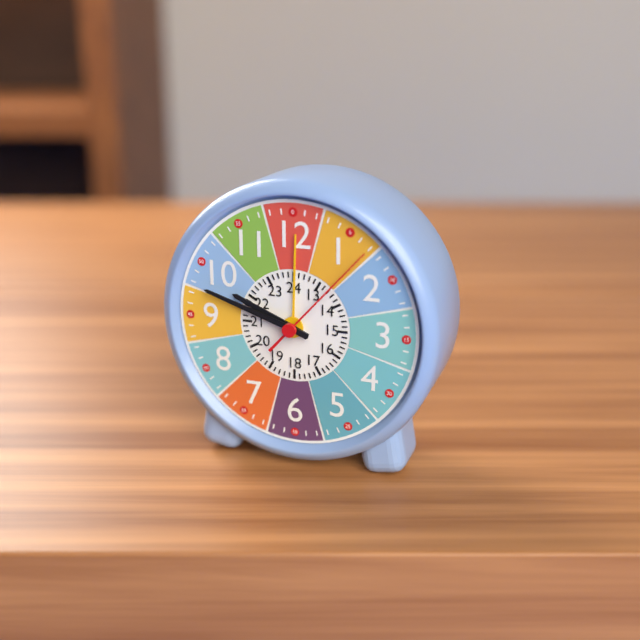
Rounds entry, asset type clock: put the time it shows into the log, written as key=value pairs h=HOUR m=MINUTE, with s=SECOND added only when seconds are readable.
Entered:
h=9 m=48 s=7
